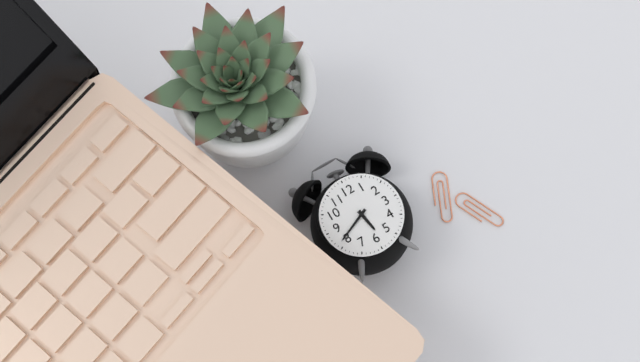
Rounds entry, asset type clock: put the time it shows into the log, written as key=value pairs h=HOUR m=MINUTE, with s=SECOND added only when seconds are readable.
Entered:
h=5 m=41
